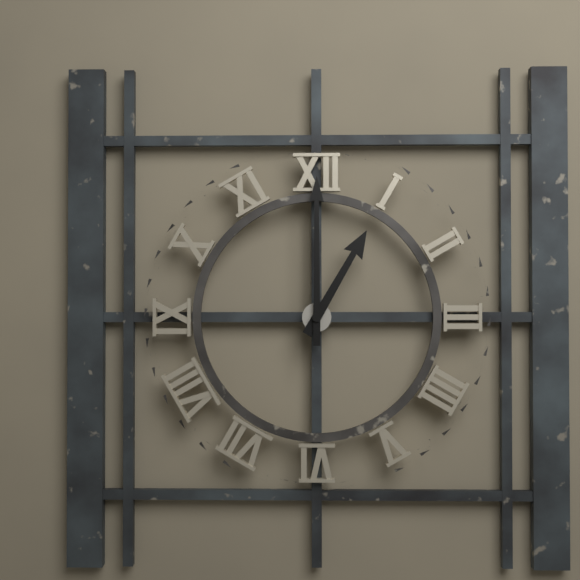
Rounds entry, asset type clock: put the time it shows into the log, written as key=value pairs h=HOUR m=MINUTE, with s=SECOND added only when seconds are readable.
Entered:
h=1 m=0
